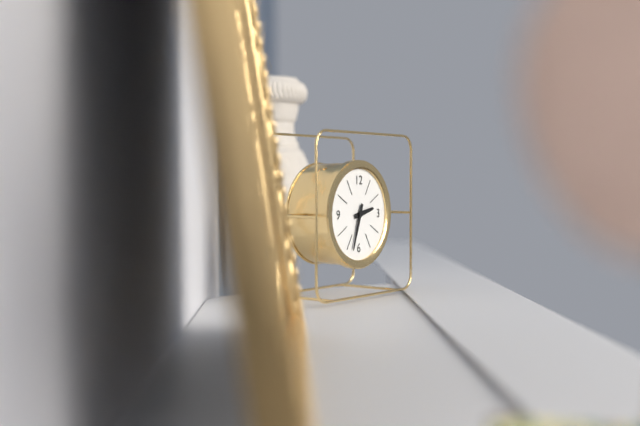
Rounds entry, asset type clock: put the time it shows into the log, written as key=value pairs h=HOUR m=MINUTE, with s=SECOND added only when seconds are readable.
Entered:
h=2 m=33
